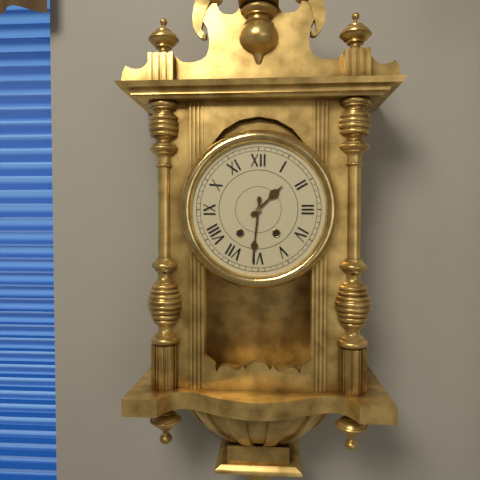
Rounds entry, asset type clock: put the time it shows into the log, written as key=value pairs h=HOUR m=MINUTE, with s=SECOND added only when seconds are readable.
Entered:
h=1 m=31
